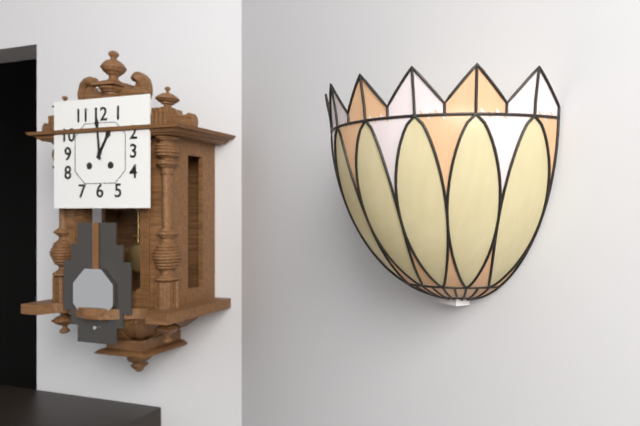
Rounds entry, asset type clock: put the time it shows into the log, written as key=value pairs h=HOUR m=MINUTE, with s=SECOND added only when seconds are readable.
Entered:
h=12 m=59
